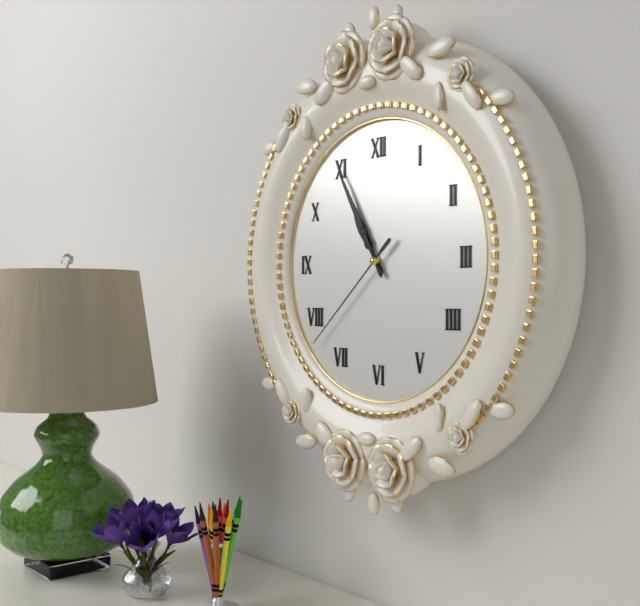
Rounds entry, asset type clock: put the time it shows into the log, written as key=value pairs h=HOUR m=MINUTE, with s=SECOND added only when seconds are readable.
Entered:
h=10 m=55 s=38
